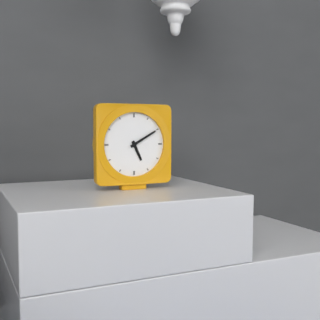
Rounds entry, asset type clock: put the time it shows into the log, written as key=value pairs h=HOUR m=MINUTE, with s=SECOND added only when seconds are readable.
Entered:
h=5 m=10
